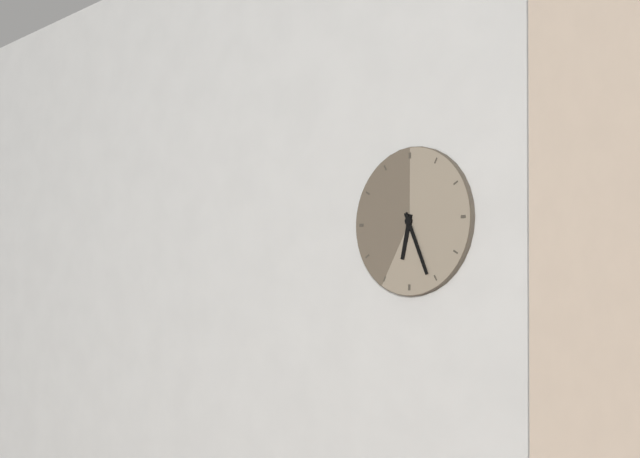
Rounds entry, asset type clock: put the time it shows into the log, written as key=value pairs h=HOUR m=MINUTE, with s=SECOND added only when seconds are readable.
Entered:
h=6 m=26
